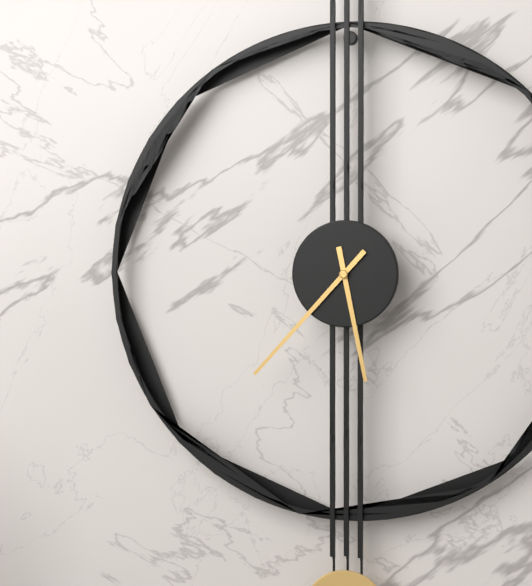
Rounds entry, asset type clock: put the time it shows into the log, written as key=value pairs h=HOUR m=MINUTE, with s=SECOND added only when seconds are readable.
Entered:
h=5 m=37
